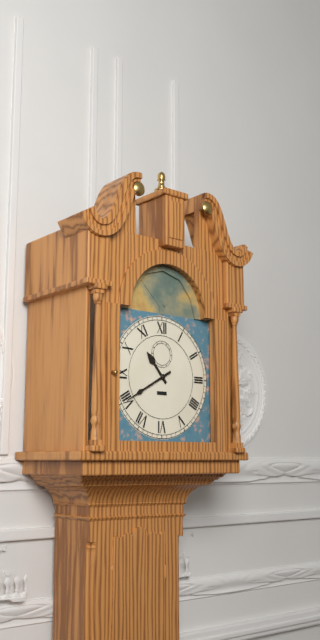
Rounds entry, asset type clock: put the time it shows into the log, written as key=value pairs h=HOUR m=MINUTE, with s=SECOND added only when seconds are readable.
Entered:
h=10 m=40
